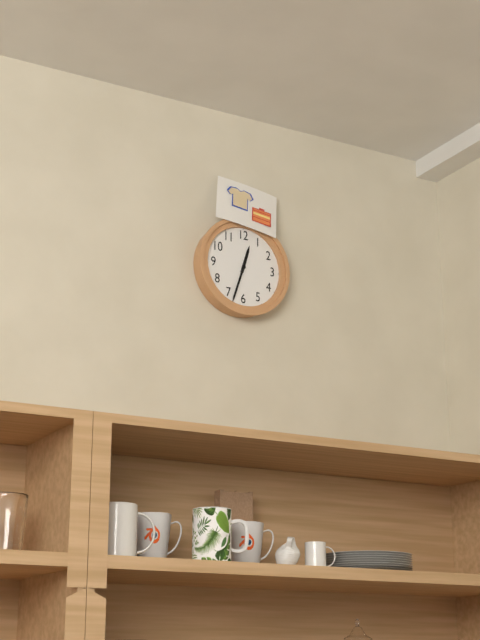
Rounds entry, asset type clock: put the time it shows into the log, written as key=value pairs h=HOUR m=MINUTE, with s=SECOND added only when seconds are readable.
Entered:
h=12 m=33
